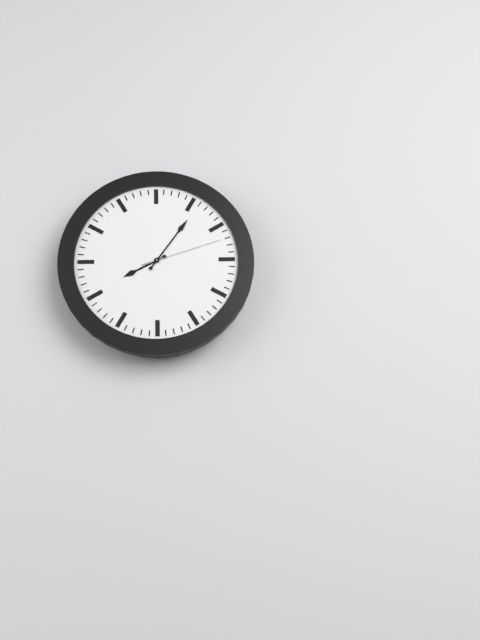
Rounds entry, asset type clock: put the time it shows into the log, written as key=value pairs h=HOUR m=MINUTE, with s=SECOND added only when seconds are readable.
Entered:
h=8 m=6 s=12
